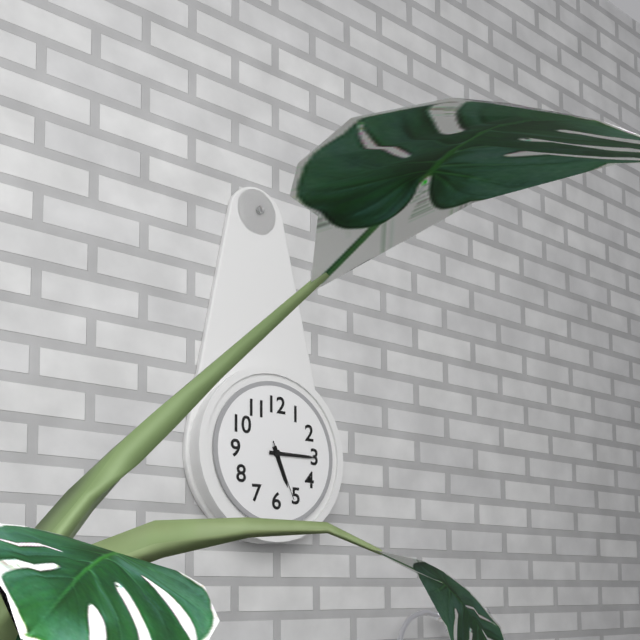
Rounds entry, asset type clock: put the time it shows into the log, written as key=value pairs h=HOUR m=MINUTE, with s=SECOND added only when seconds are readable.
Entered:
h=5 m=15 s=26
